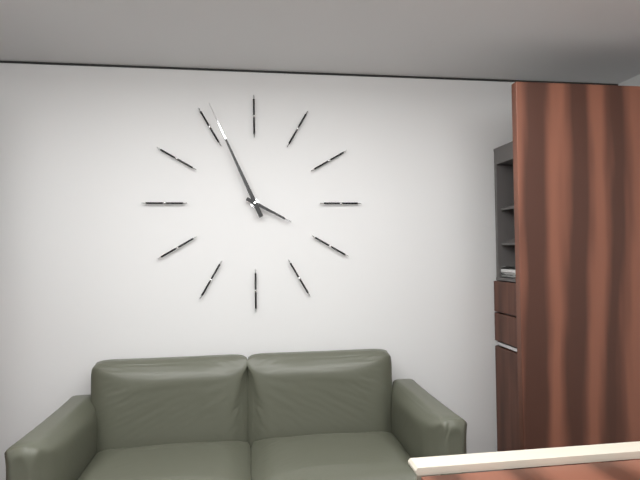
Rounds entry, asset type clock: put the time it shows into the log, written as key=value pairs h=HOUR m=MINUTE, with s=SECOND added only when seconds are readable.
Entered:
h=3 m=56
